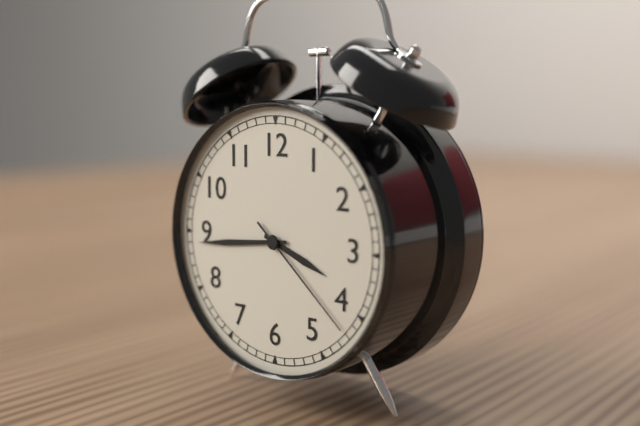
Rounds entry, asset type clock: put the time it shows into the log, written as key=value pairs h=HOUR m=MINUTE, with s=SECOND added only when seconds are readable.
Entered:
h=3 m=44 s=22
